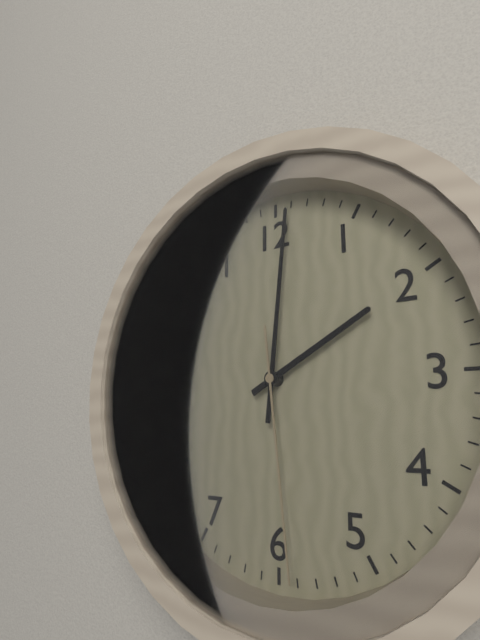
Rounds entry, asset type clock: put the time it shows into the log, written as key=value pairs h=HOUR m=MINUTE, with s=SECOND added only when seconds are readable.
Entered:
h=2 m=1 s=29
